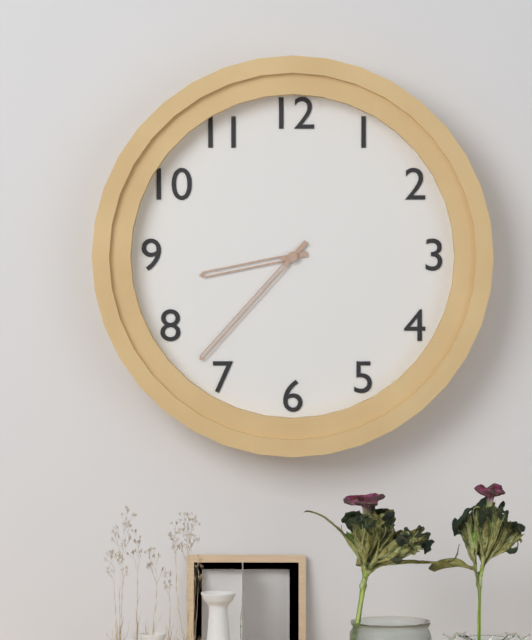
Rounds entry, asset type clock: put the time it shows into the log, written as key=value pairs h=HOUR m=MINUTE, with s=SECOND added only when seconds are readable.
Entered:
h=8 m=37
